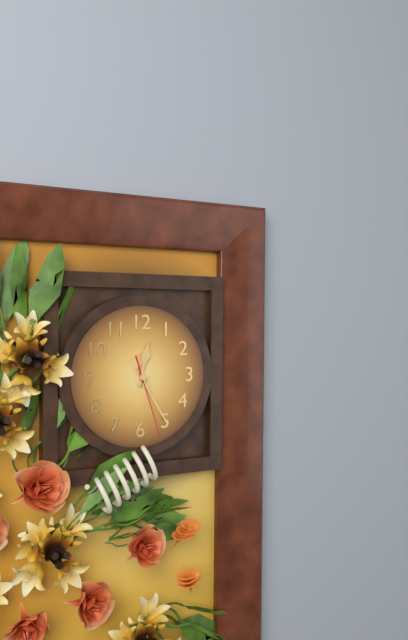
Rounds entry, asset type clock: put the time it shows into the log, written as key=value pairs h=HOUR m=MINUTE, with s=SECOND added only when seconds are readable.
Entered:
h=12 m=25 s=27
